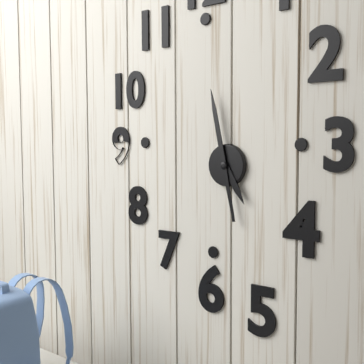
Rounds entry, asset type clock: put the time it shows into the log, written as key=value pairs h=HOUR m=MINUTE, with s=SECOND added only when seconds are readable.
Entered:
h=4 m=58
